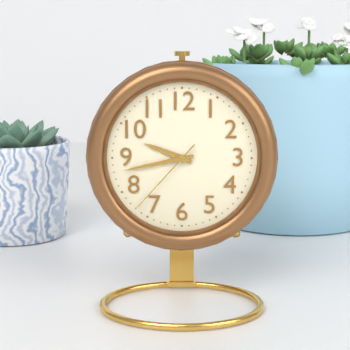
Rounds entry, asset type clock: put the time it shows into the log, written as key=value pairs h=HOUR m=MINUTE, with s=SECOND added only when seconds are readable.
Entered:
h=9 m=43 s=37
